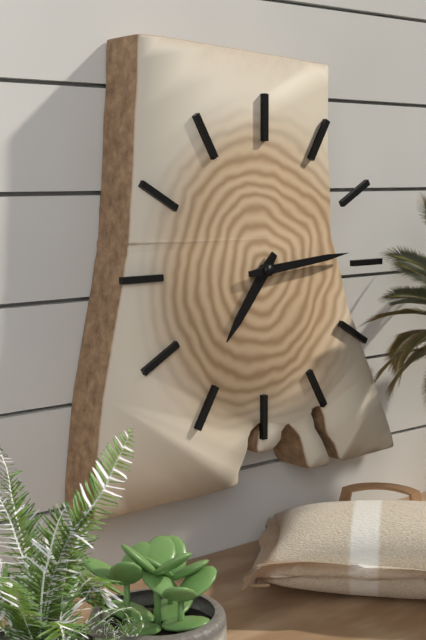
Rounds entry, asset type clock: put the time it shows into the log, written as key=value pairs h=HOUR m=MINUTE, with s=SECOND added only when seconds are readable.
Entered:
h=7 m=14
